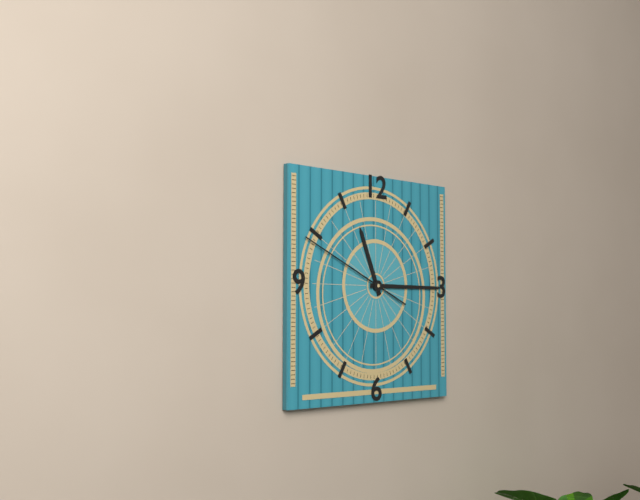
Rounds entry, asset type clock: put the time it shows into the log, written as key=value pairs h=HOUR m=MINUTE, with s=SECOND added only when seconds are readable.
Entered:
h=11 m=15 s=49
